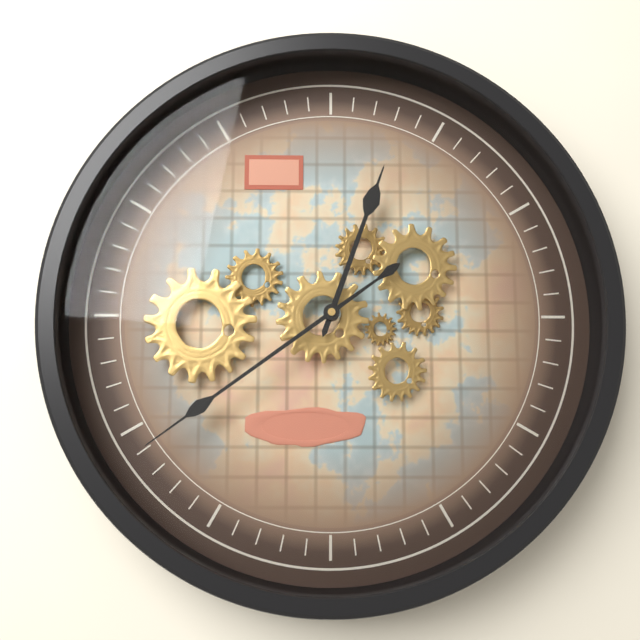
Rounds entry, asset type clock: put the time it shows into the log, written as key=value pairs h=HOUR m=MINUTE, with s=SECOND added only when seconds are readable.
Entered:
h=12 m=39
